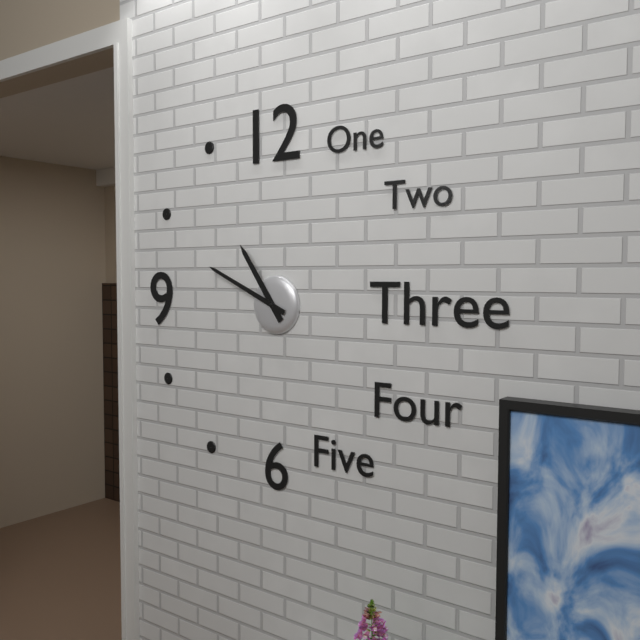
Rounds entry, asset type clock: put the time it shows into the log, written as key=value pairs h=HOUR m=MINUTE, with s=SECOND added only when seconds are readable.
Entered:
h=10 m=49
